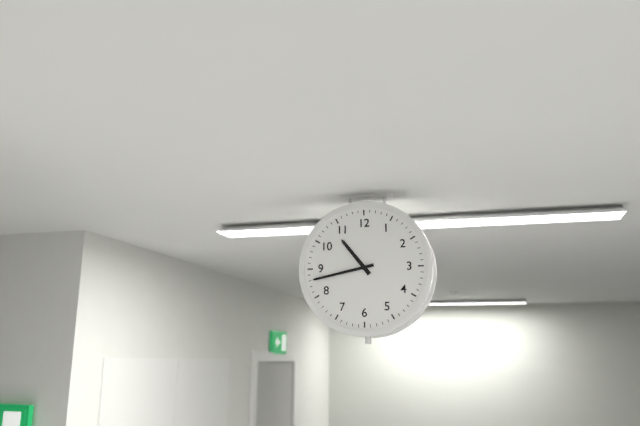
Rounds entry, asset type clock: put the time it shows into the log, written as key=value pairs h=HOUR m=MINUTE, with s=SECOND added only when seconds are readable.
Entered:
h=10 m=43
